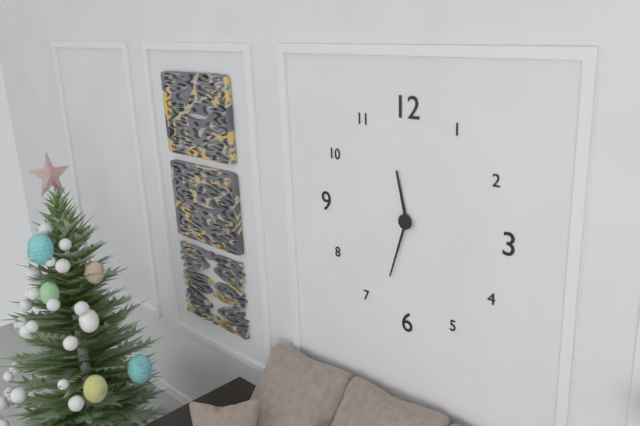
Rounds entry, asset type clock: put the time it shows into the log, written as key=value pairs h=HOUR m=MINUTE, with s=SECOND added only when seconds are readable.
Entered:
h=11 m=33
